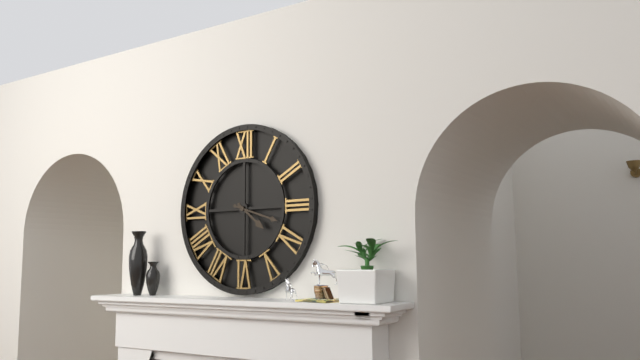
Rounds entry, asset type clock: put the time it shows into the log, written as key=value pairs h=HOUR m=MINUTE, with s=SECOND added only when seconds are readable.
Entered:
h=4 m=18
